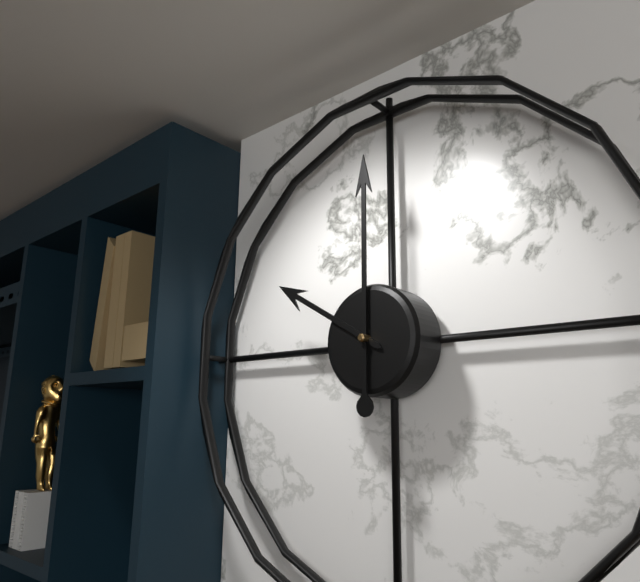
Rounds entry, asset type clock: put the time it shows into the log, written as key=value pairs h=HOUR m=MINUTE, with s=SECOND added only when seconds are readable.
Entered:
h=10 m=0
